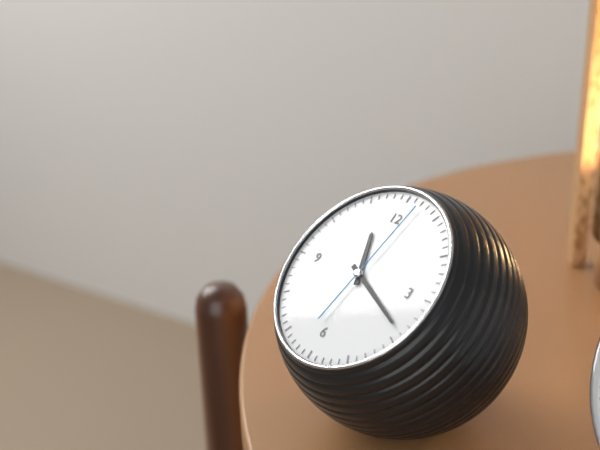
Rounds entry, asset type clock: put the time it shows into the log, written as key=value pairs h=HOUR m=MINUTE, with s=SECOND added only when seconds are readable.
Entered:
h=11 m=19 s=2
